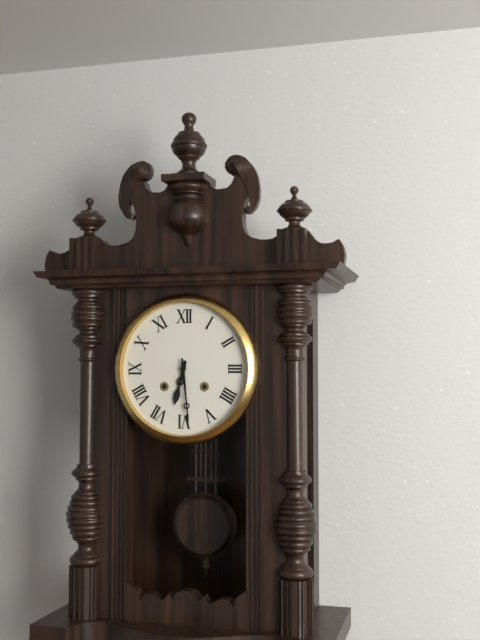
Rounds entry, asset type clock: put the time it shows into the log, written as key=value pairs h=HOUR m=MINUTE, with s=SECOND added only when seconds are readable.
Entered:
h=6 m=29
